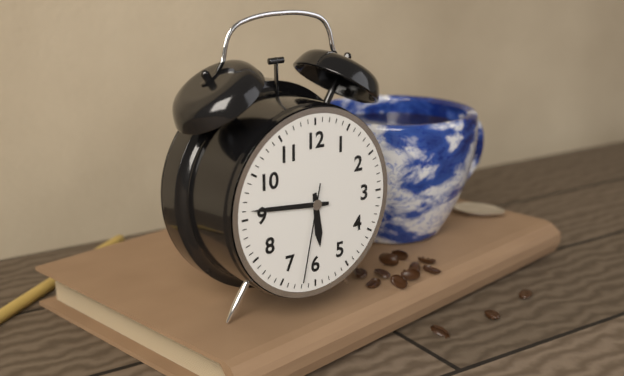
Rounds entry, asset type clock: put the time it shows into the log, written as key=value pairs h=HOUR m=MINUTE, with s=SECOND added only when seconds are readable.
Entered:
h=5 m=46 s=32
